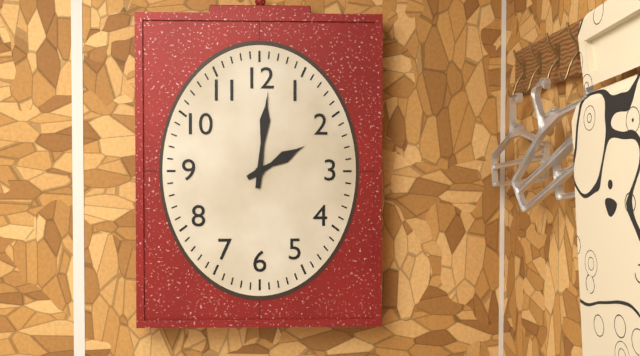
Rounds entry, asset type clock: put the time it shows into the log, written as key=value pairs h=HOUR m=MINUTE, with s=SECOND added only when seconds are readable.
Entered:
h=2 m=1
